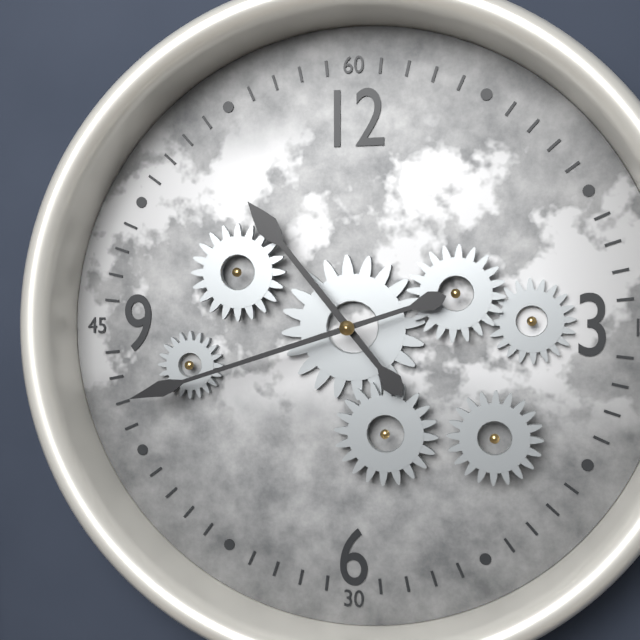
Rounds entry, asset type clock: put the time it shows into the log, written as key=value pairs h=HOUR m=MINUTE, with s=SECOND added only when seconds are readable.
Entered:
h=10 m=42
